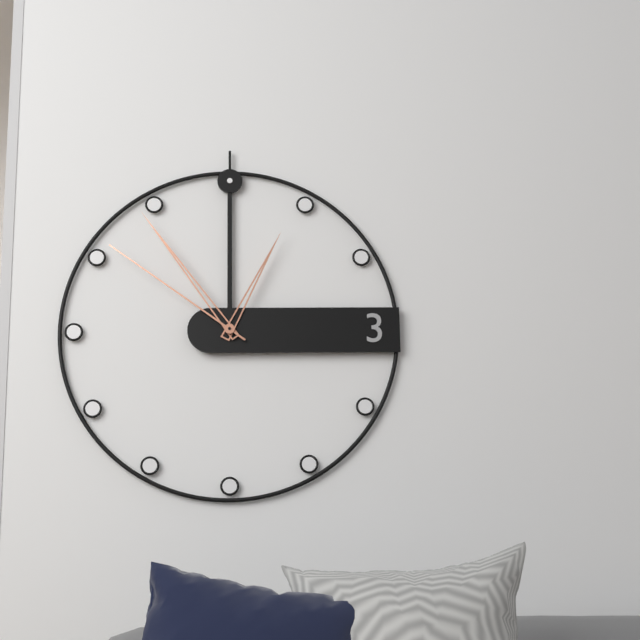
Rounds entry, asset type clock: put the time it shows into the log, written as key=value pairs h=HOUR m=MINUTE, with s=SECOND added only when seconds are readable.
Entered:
h=12 m=54 s=51
